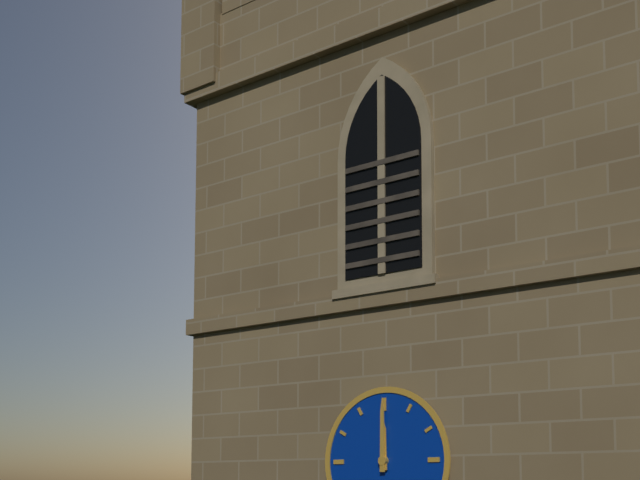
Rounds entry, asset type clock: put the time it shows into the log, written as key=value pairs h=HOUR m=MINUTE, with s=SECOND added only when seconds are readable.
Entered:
h=12 m=0
